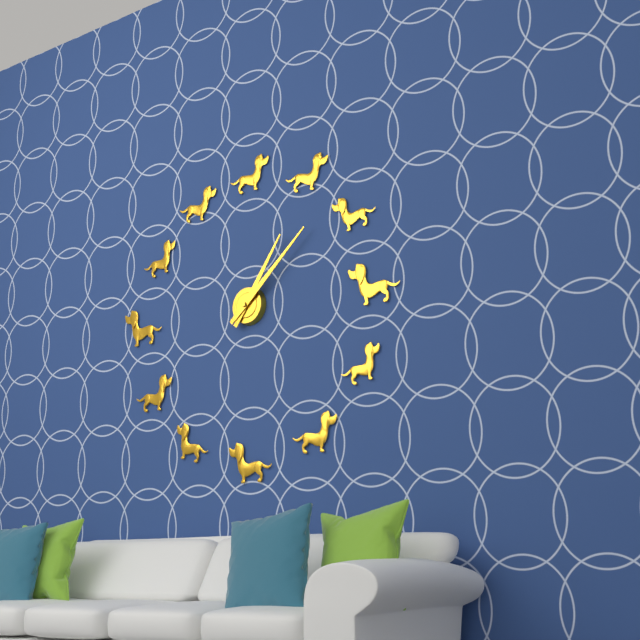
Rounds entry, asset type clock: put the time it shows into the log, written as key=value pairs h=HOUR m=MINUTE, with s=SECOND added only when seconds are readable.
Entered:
h=1 m=8
